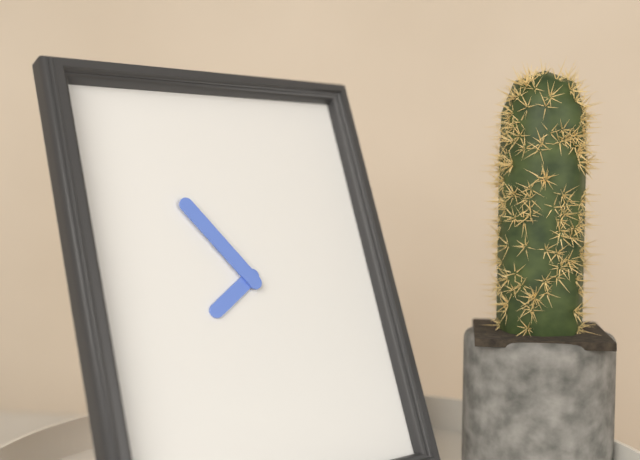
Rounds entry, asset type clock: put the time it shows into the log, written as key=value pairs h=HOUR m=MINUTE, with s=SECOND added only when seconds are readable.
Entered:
h=7 m=54
